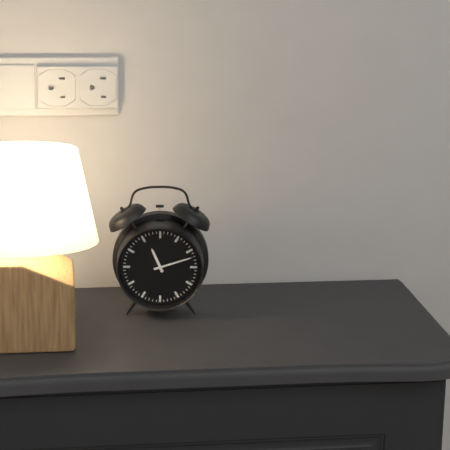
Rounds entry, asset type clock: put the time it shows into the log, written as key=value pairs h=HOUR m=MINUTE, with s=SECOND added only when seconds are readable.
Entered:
h=11 m=12
